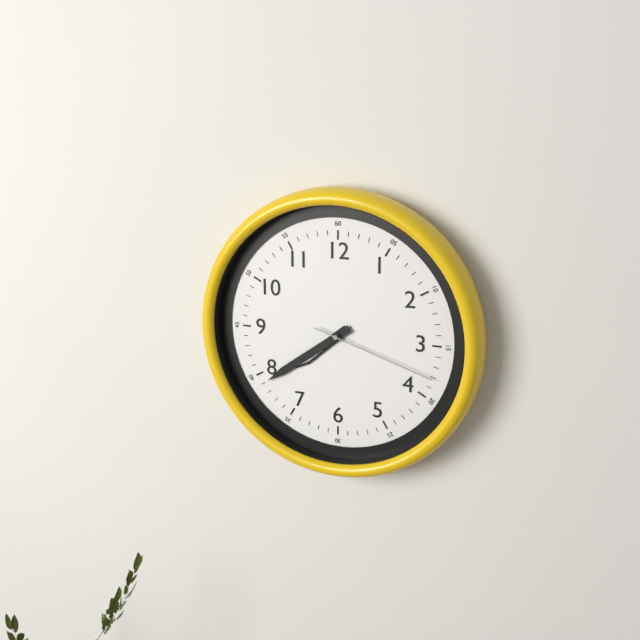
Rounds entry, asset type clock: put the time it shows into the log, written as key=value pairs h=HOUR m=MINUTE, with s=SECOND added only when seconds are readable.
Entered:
h=7 m=39 s=18
